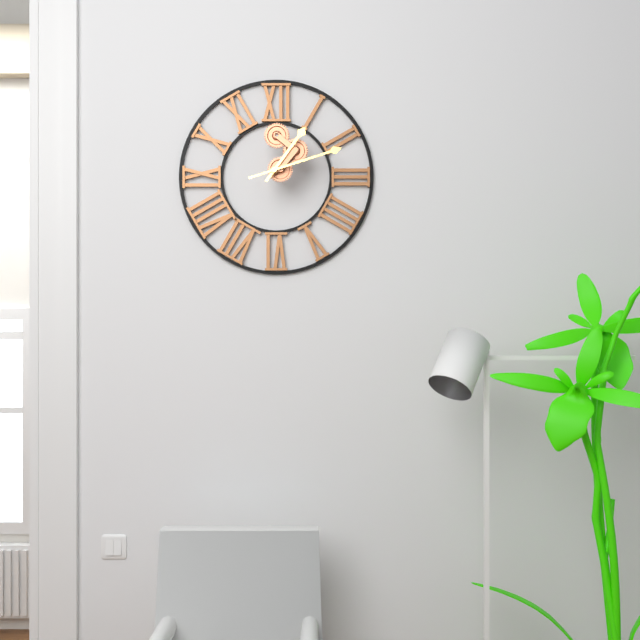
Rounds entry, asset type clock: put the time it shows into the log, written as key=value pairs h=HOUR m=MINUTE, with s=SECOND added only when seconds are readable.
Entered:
h=1 m=12
